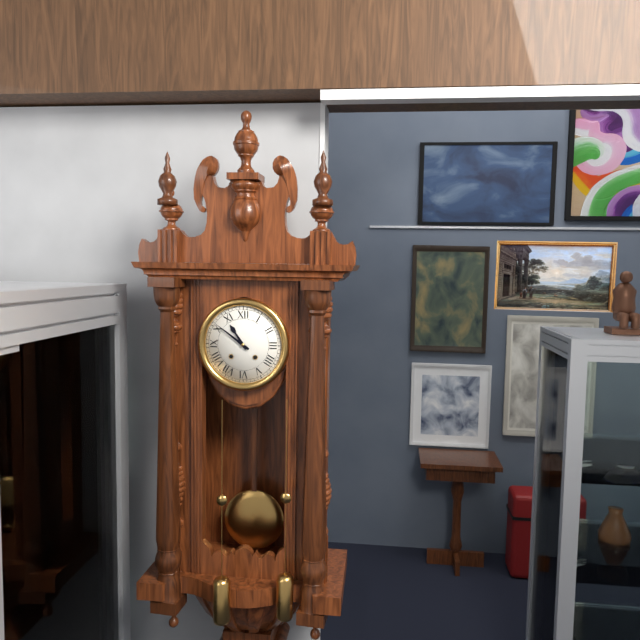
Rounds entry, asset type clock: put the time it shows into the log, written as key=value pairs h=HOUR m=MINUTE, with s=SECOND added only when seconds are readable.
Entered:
h=10 m=51
